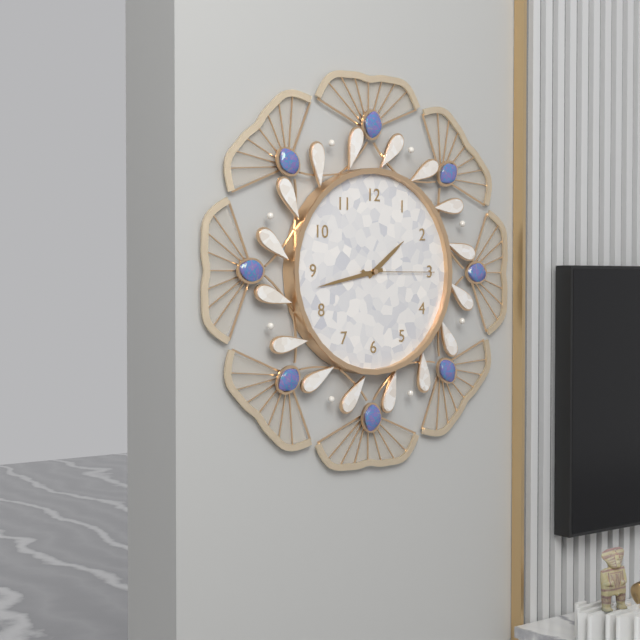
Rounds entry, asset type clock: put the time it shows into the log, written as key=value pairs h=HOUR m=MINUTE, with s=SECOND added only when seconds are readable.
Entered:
h=1 m=43 s=15
